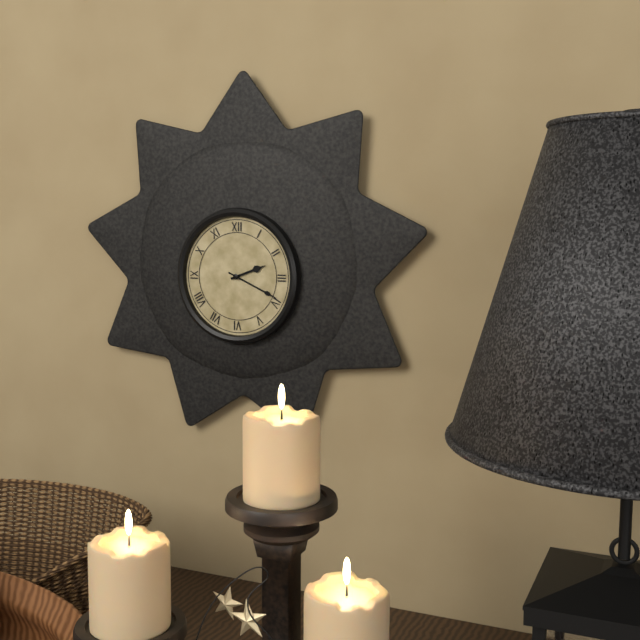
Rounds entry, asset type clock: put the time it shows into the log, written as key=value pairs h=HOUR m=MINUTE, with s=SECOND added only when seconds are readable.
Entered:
h=2 m=19
